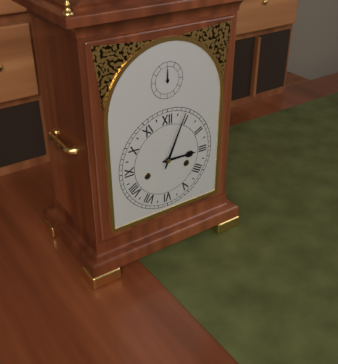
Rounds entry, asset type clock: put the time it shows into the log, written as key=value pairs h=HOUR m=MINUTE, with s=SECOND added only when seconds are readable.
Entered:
h=3 m=4
